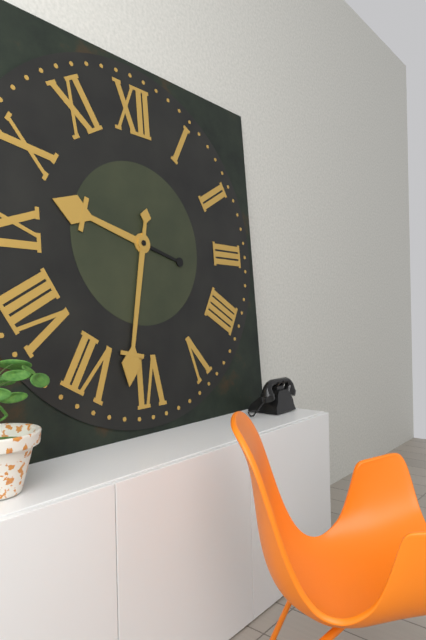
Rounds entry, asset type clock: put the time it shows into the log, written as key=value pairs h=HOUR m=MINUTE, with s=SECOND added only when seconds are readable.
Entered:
h=9 m=32
